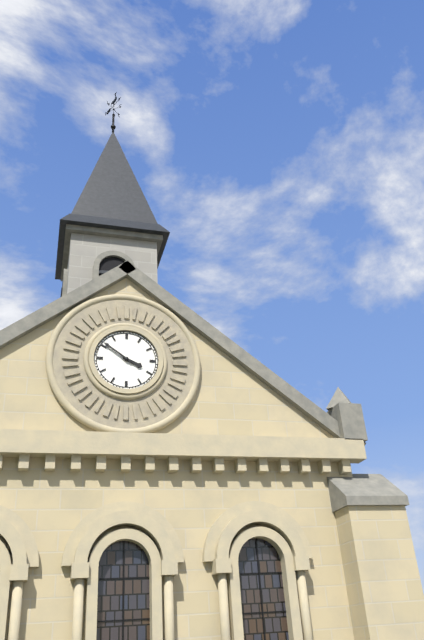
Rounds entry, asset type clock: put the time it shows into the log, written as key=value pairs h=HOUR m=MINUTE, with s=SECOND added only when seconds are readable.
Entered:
h=3 m=51
